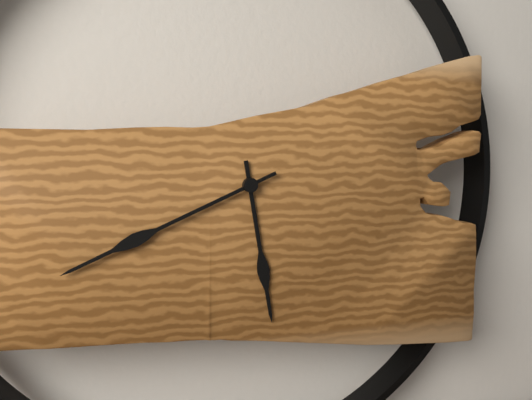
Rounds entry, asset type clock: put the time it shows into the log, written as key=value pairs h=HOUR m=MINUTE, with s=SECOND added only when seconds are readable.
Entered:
h=5 m=41
